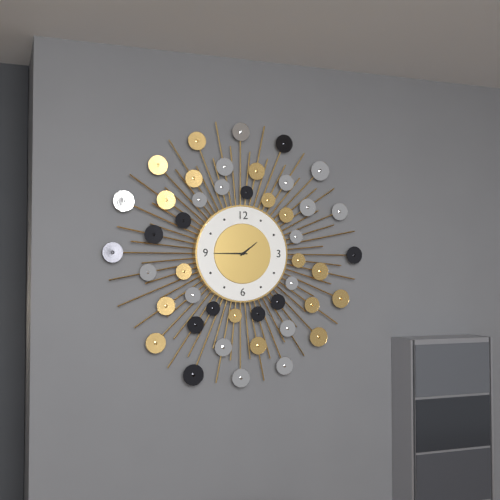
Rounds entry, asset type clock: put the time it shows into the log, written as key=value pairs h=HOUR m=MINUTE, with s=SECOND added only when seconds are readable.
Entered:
h=1 m=45
